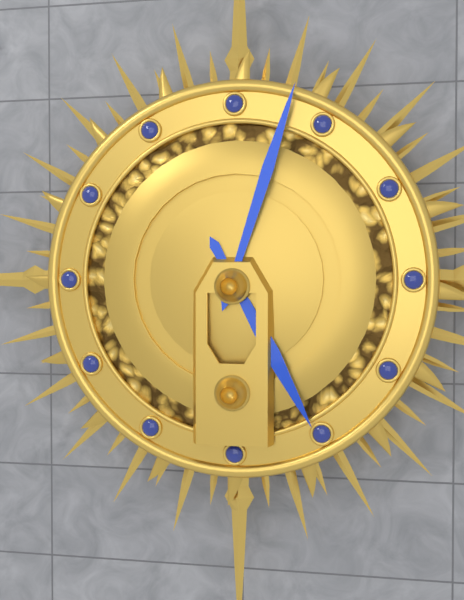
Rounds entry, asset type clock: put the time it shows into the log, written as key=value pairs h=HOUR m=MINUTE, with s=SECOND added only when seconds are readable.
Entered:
h=5 m=3
